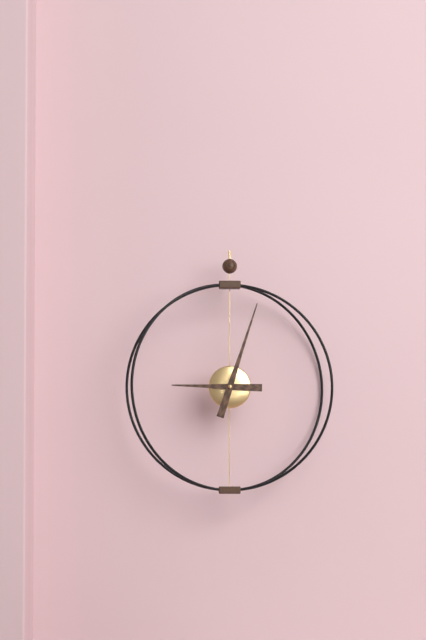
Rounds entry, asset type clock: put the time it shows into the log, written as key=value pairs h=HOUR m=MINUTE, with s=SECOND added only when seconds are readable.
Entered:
h=9 m=3
